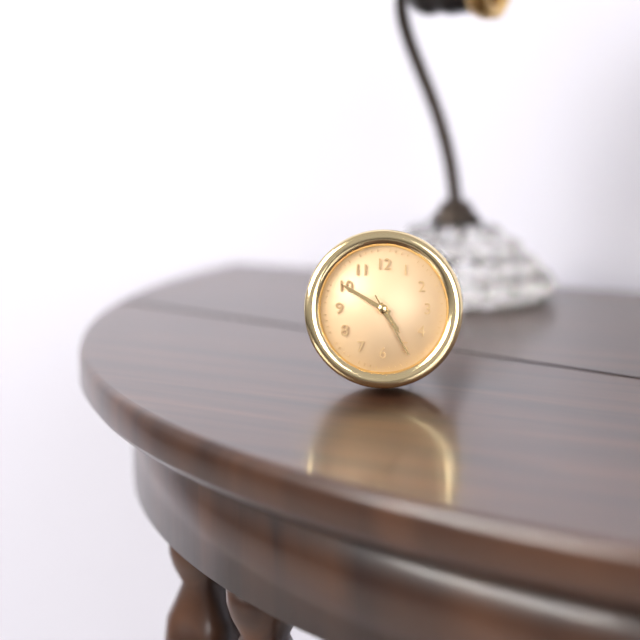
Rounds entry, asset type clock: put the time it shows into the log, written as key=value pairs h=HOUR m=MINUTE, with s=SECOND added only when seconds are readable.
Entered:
h=4 m=50 s=25
